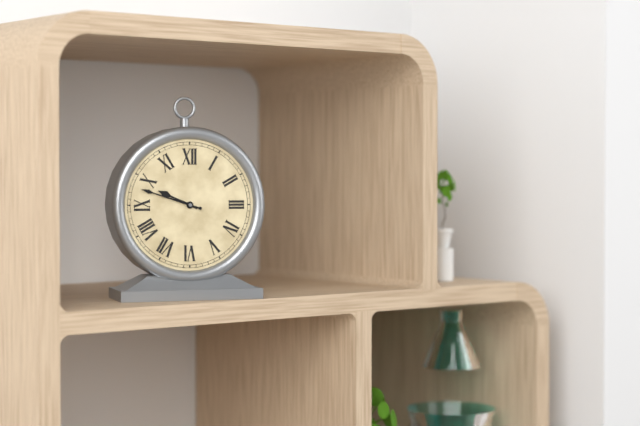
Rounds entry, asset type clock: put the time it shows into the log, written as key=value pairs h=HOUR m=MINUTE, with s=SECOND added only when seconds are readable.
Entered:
h=9 m=48
